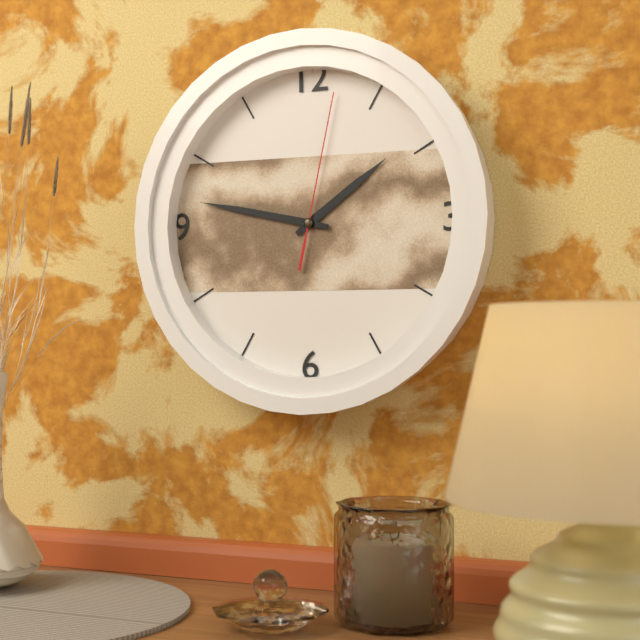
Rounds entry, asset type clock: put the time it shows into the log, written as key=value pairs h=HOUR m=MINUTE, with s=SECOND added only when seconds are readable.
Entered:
h=1 m=47 s=2
